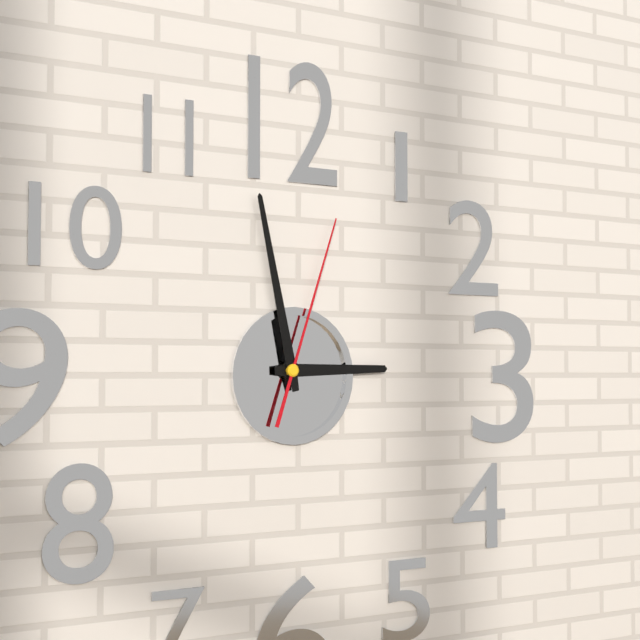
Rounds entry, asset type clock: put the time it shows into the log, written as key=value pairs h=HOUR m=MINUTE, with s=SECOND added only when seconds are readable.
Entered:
h=2 m=58 s=3
